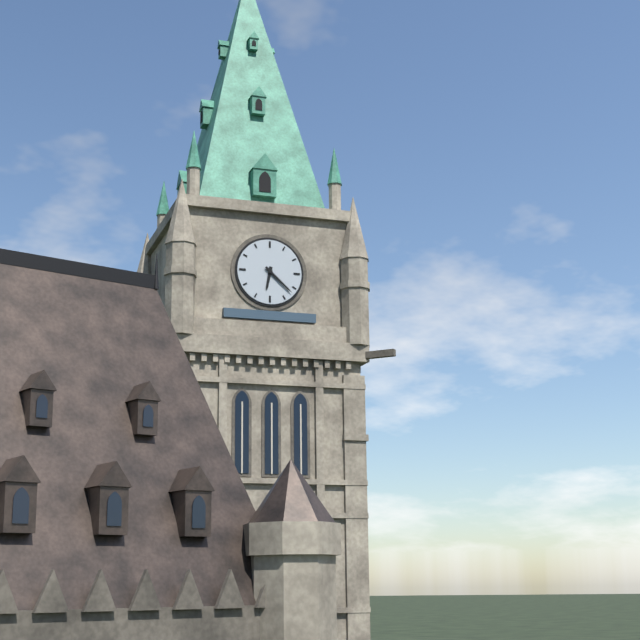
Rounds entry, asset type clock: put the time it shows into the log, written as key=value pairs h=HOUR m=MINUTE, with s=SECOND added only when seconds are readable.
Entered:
h=6 m=22
